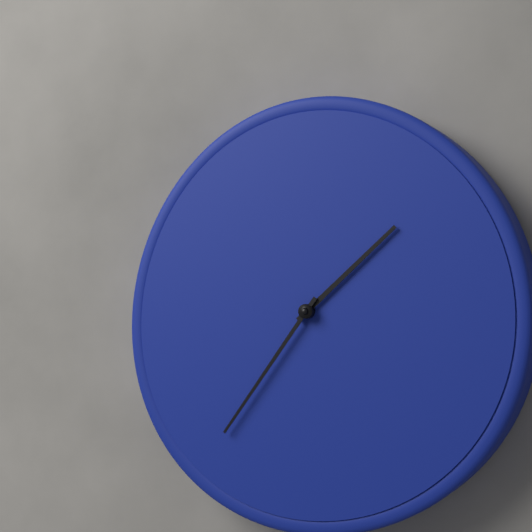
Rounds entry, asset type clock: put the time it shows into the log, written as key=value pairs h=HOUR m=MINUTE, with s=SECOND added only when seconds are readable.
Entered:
h=1 m=36
